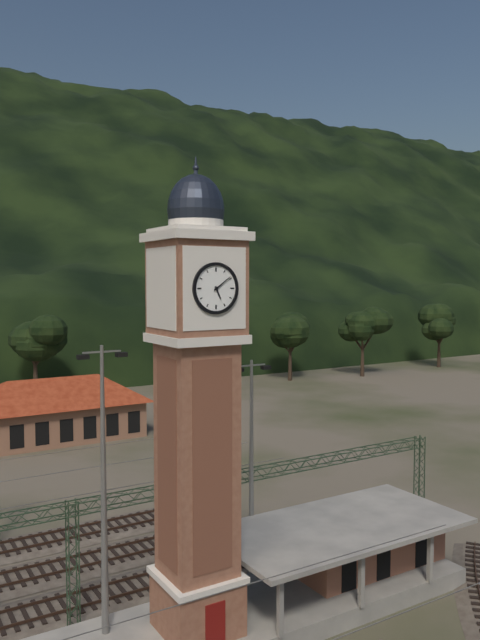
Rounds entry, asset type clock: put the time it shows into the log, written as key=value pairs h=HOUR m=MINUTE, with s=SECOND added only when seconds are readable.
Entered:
h=5 m=9
